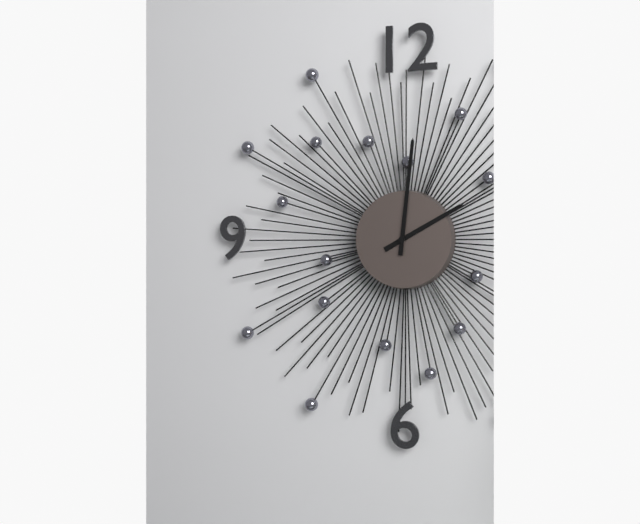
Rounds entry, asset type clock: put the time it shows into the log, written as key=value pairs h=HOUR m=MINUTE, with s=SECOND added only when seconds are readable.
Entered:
h=2 m=1
